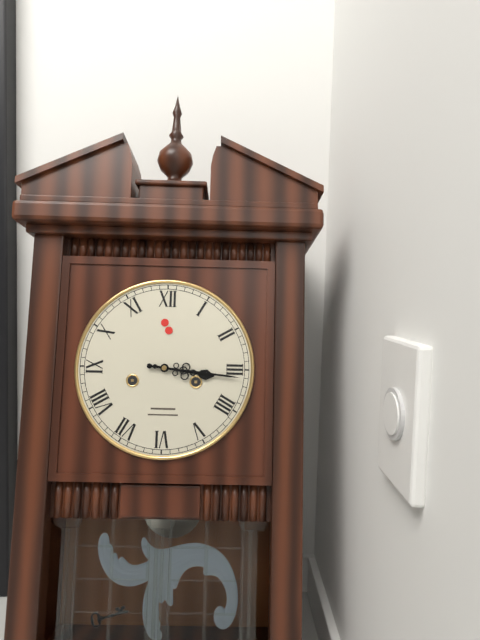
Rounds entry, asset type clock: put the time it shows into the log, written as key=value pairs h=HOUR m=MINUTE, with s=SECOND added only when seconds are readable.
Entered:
h=3 m=16
